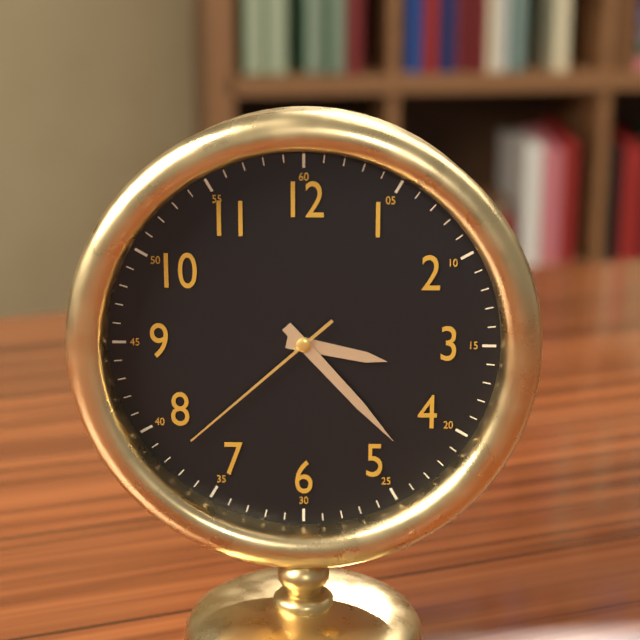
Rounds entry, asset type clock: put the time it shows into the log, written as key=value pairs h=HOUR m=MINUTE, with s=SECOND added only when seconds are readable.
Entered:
h=3 m=23 s=38
